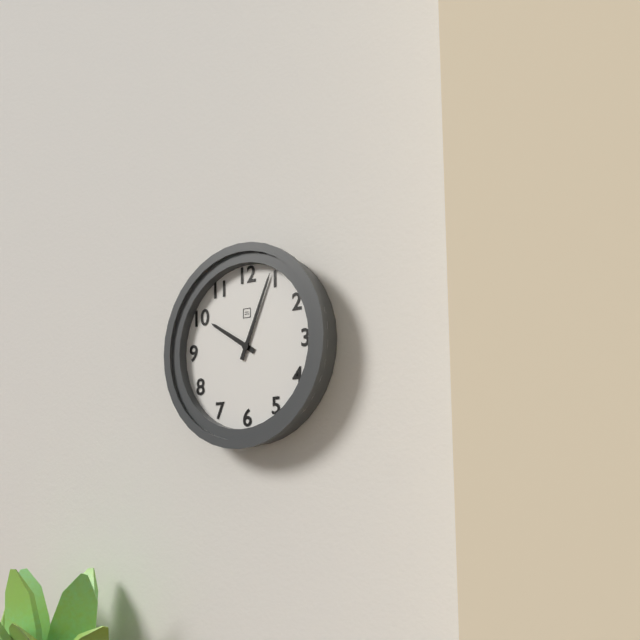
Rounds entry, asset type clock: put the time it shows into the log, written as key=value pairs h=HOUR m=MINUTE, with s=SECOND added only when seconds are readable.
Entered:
h=10 m=4
